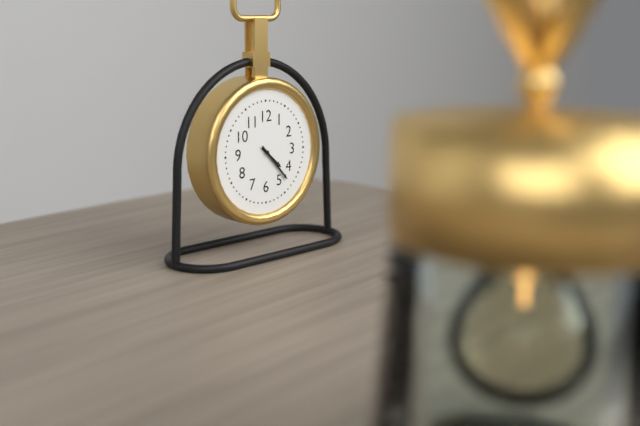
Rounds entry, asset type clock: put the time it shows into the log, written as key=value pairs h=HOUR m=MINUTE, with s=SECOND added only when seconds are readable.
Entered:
h=4 m=23
